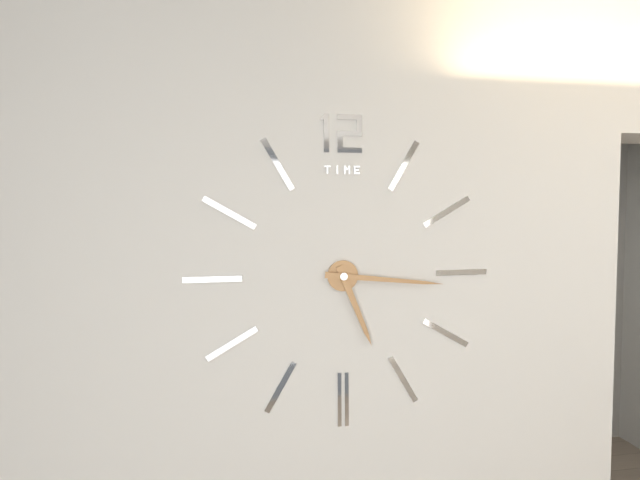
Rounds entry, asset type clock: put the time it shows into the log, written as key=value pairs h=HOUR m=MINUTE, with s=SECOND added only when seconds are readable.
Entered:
h=5 m=16
